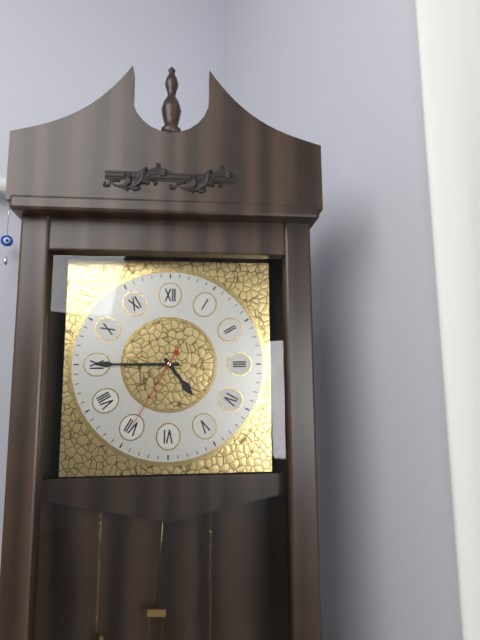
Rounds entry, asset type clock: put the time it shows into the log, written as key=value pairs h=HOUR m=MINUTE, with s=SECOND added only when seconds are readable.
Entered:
h=4 m=45 s=35
